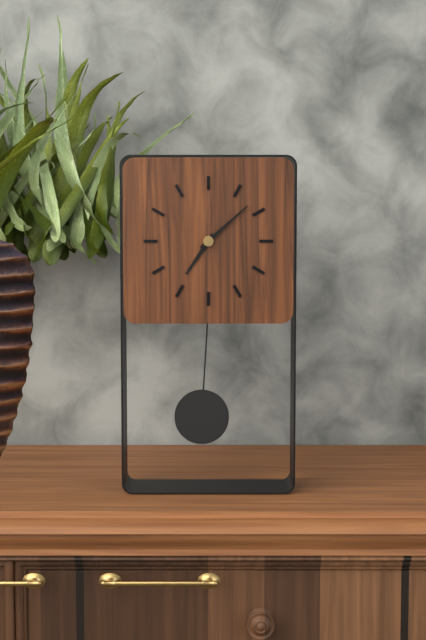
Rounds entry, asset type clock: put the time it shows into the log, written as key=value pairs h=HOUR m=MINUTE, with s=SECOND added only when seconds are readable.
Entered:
h=7 m=8
